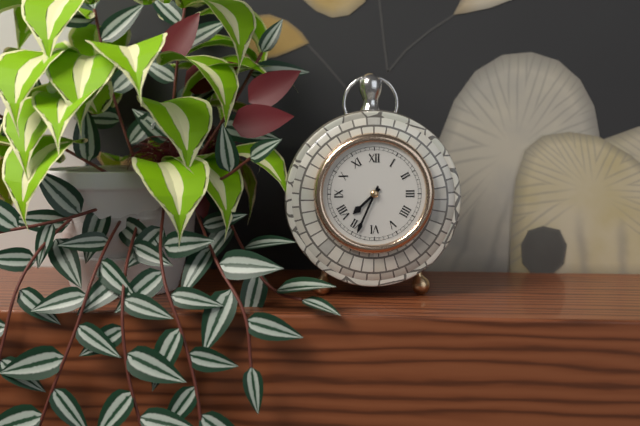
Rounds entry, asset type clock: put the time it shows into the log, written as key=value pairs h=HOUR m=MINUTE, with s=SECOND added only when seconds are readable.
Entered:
h=7 m=34
